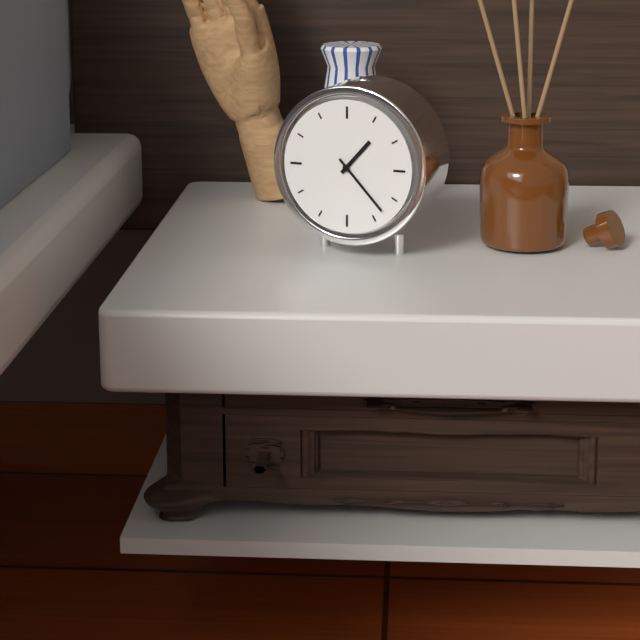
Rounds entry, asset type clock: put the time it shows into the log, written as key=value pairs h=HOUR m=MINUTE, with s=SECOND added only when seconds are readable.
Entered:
h=1 m=23
